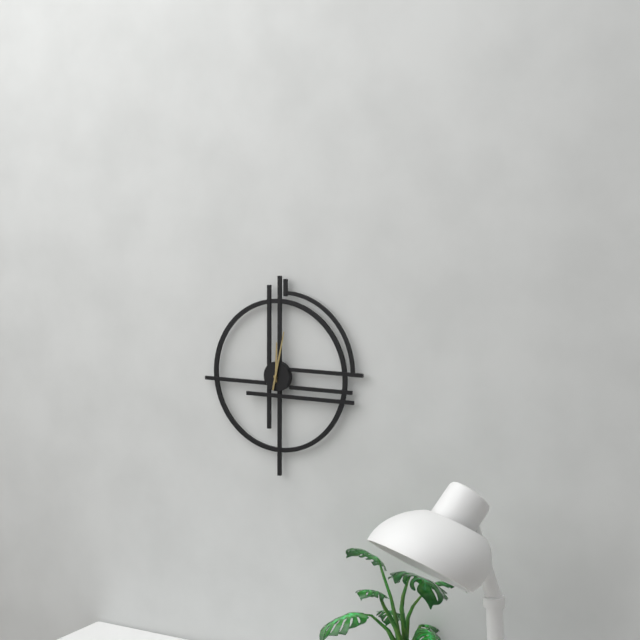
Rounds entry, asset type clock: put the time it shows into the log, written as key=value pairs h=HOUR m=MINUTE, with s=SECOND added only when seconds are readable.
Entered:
h=12 m=2
